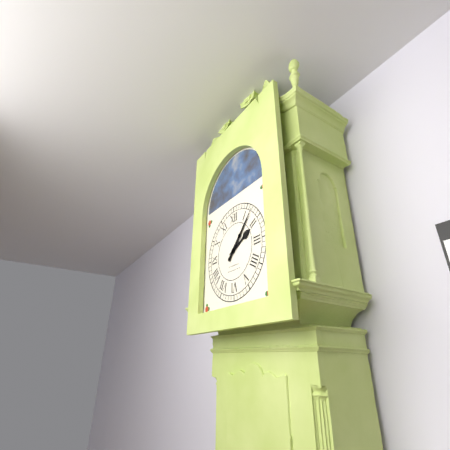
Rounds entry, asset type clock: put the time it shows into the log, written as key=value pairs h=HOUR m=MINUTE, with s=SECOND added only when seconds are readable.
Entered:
h=2 m=7
